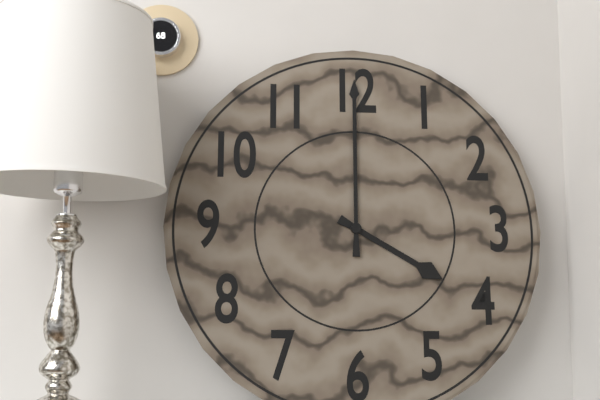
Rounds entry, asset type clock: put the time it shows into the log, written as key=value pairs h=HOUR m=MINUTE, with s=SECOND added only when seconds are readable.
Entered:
h=4 m=0
